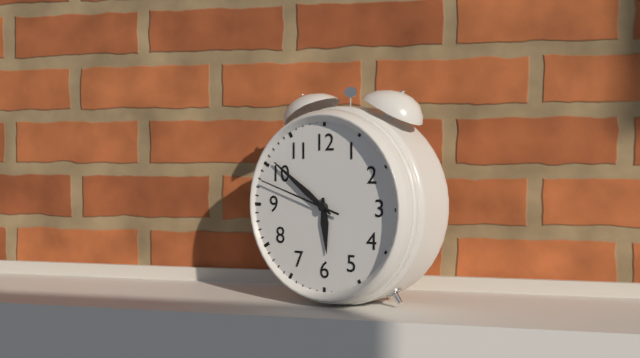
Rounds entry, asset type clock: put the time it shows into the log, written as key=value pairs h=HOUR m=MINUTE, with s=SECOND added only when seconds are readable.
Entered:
h=5 m=51 s=48
